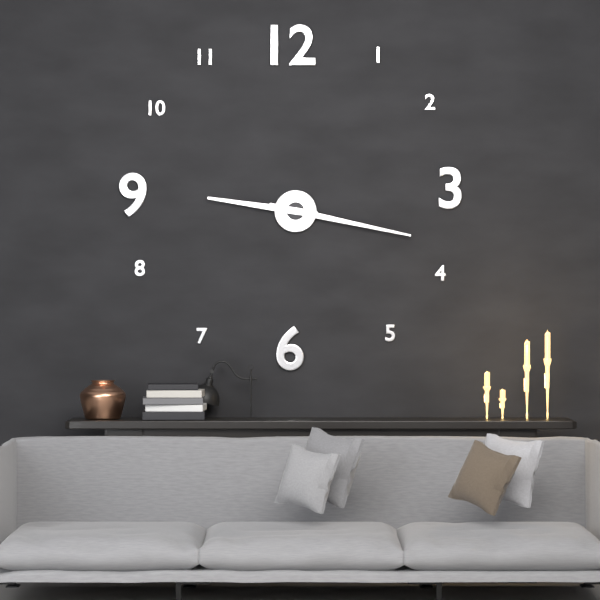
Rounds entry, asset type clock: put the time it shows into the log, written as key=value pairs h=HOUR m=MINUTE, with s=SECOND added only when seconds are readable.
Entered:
h=9 m=17
